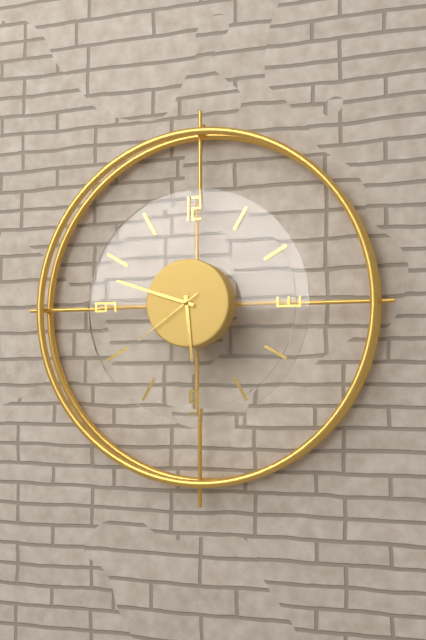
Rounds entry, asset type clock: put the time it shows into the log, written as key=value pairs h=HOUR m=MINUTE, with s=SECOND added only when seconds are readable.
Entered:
h=5 m=48 s=39
